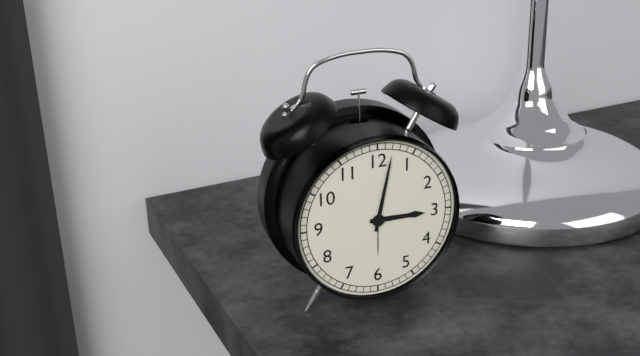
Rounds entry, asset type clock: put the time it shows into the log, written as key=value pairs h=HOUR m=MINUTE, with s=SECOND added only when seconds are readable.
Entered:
h=3 m=2
